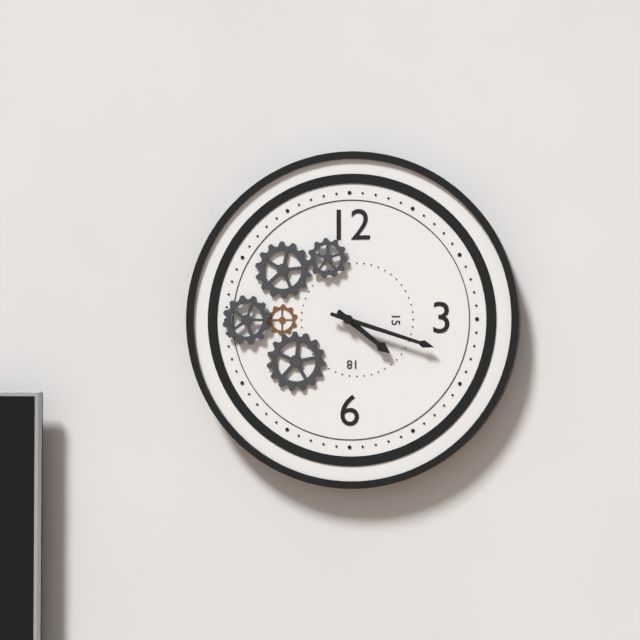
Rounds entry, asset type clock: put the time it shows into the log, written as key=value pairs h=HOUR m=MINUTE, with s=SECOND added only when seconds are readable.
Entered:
h=4 m=18
